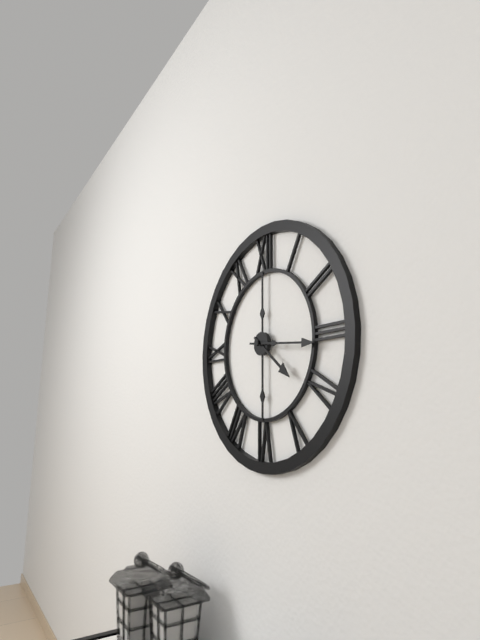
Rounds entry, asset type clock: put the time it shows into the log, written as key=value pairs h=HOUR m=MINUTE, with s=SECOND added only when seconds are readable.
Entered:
h=4 m=16
